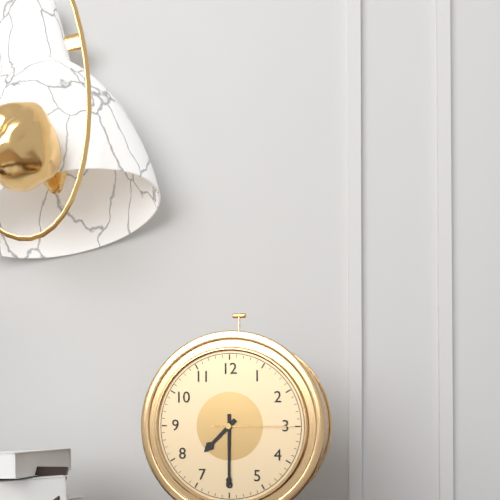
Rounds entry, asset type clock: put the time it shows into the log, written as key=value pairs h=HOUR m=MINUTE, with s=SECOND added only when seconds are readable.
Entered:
h=7 m=30 s=15
